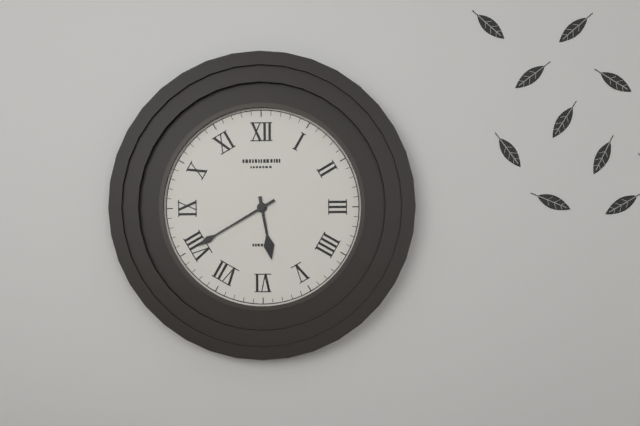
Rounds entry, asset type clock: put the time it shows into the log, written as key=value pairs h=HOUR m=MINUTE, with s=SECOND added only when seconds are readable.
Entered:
h=5 m=40
